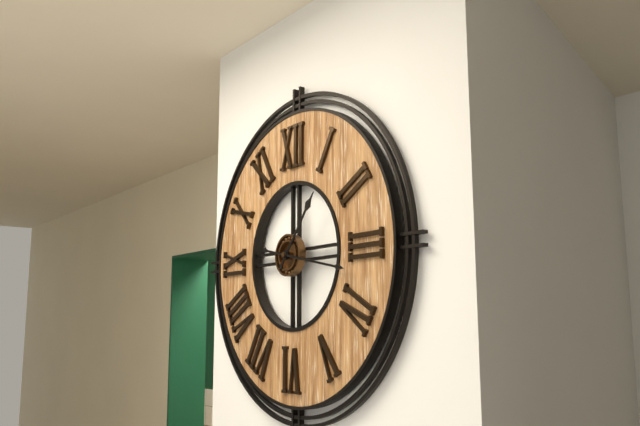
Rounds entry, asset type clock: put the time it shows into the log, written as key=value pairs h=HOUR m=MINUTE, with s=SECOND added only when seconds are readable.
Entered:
h=1 m=17
